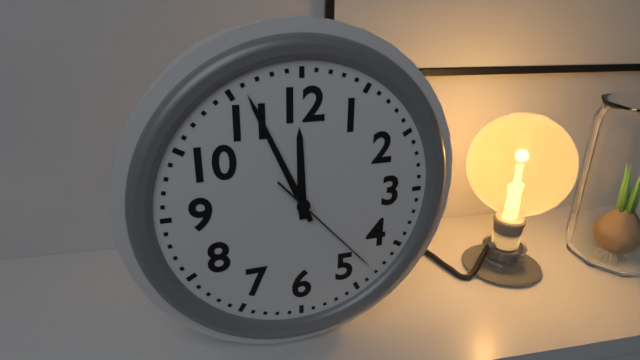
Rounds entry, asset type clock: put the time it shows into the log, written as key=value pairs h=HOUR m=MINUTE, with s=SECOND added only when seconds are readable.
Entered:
h=11 m=56 s=23
